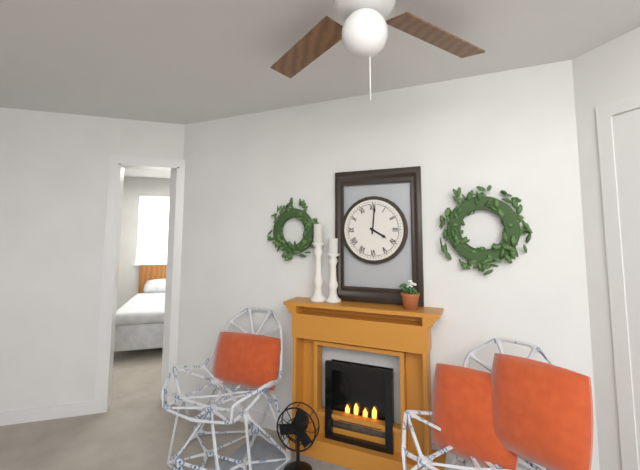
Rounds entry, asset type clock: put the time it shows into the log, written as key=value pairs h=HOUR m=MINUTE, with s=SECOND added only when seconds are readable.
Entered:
h=4 m=1
